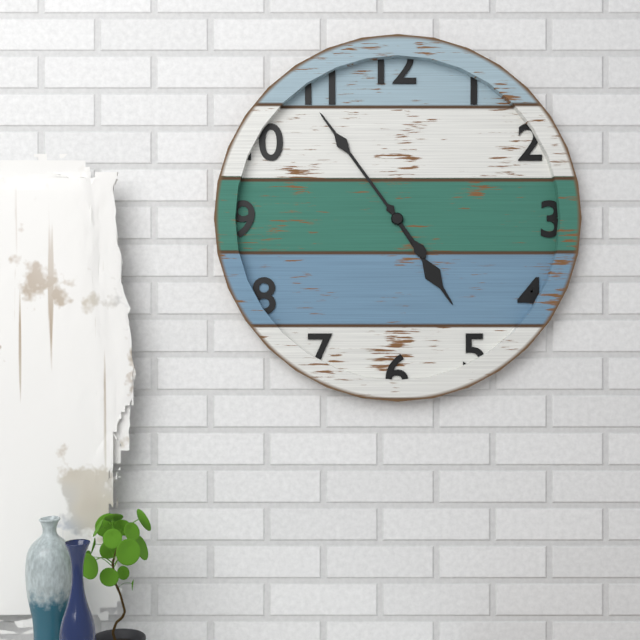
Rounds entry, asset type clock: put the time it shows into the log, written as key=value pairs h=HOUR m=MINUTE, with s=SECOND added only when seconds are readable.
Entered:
h=4 m=54
